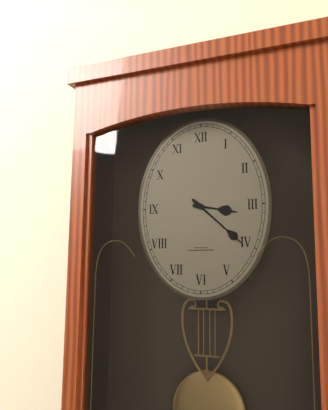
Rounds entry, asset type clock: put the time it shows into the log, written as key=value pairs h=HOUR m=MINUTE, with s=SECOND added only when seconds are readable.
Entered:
h=3 m=22
